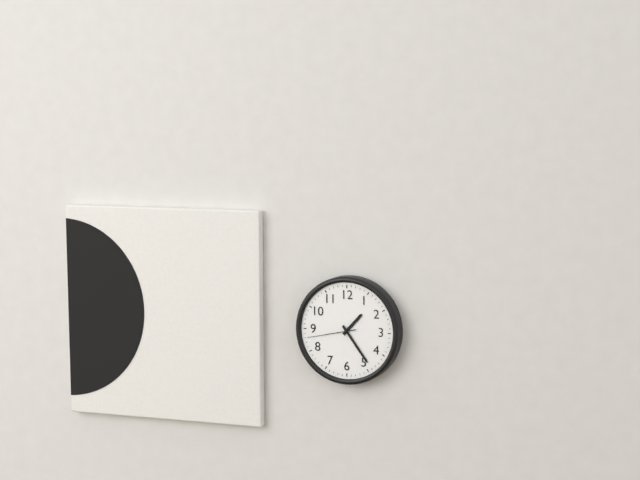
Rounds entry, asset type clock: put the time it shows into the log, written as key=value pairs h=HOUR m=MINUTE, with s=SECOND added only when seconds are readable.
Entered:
h=1 m=24
